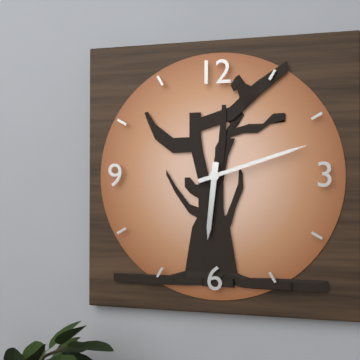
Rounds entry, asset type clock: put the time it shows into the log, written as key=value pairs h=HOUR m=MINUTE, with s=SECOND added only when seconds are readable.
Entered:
h=6 m=12
